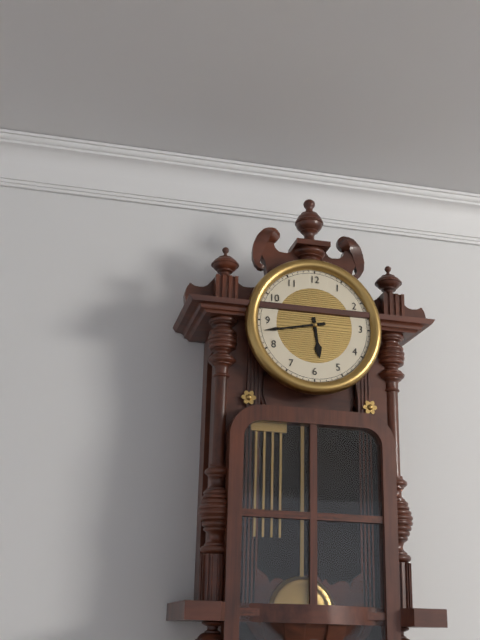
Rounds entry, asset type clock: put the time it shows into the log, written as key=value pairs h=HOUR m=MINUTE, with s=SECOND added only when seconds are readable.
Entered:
h=5 m=43
